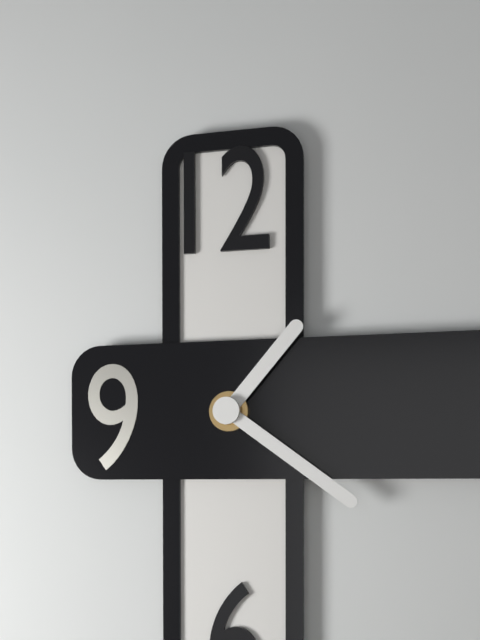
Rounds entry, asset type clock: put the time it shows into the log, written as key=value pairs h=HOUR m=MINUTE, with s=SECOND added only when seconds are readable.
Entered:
h=1 m=21
